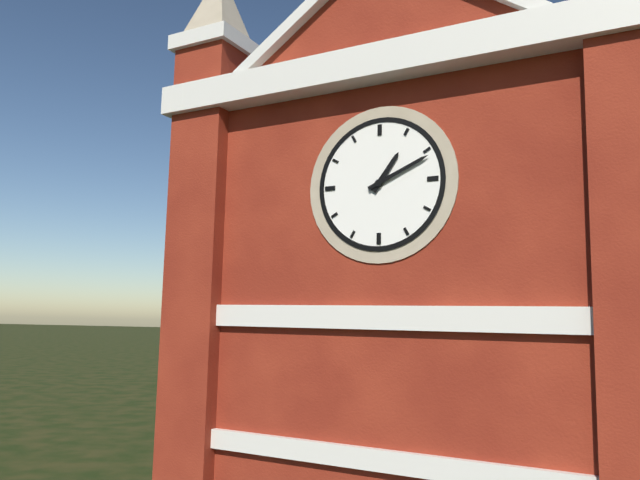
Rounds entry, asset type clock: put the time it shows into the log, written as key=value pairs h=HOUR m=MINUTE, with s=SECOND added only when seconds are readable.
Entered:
h=1 m=11
